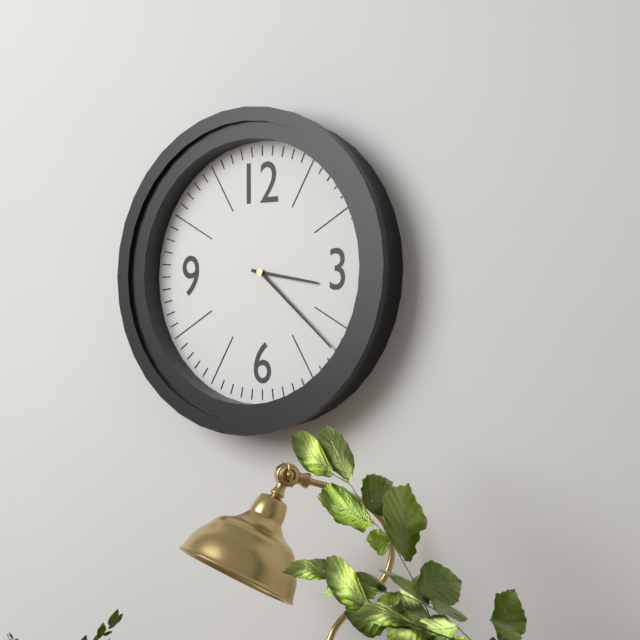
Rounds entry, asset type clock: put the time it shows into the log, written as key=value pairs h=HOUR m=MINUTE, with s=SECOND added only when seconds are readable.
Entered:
h=3 m=22
